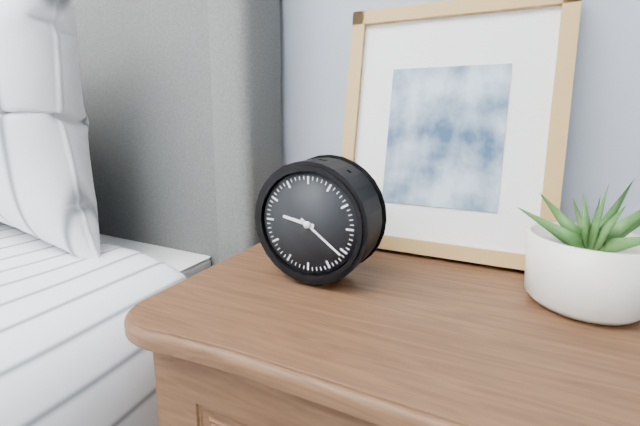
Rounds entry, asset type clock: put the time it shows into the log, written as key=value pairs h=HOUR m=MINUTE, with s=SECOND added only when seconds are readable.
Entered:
h=9 m=21
